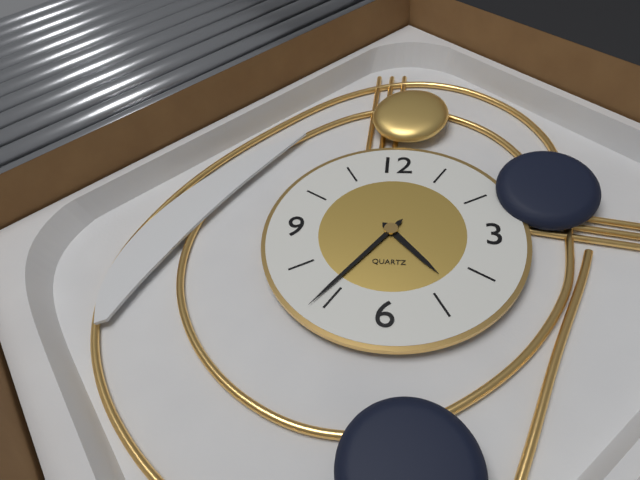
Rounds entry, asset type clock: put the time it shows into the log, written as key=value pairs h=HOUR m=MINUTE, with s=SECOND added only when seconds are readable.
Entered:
h=4 m=36
